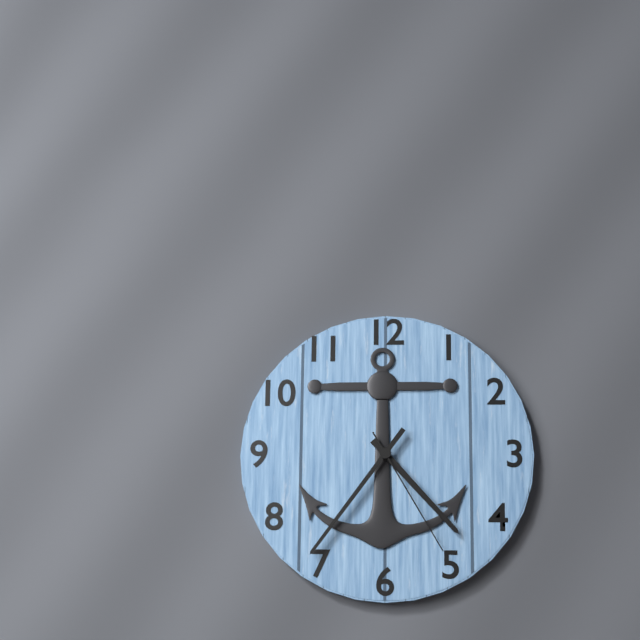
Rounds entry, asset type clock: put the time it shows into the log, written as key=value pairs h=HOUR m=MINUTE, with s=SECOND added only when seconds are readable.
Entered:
h=4 m=36 s=25
